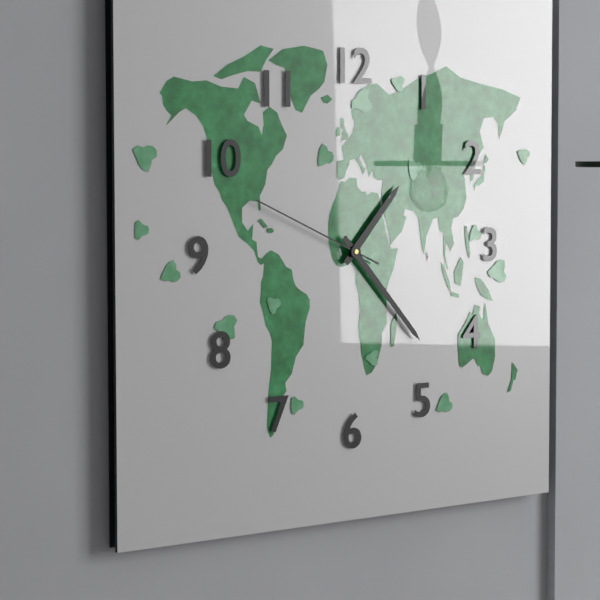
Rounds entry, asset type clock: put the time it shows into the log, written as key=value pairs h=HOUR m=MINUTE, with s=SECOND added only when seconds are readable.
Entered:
h=1 m=23 s=49
